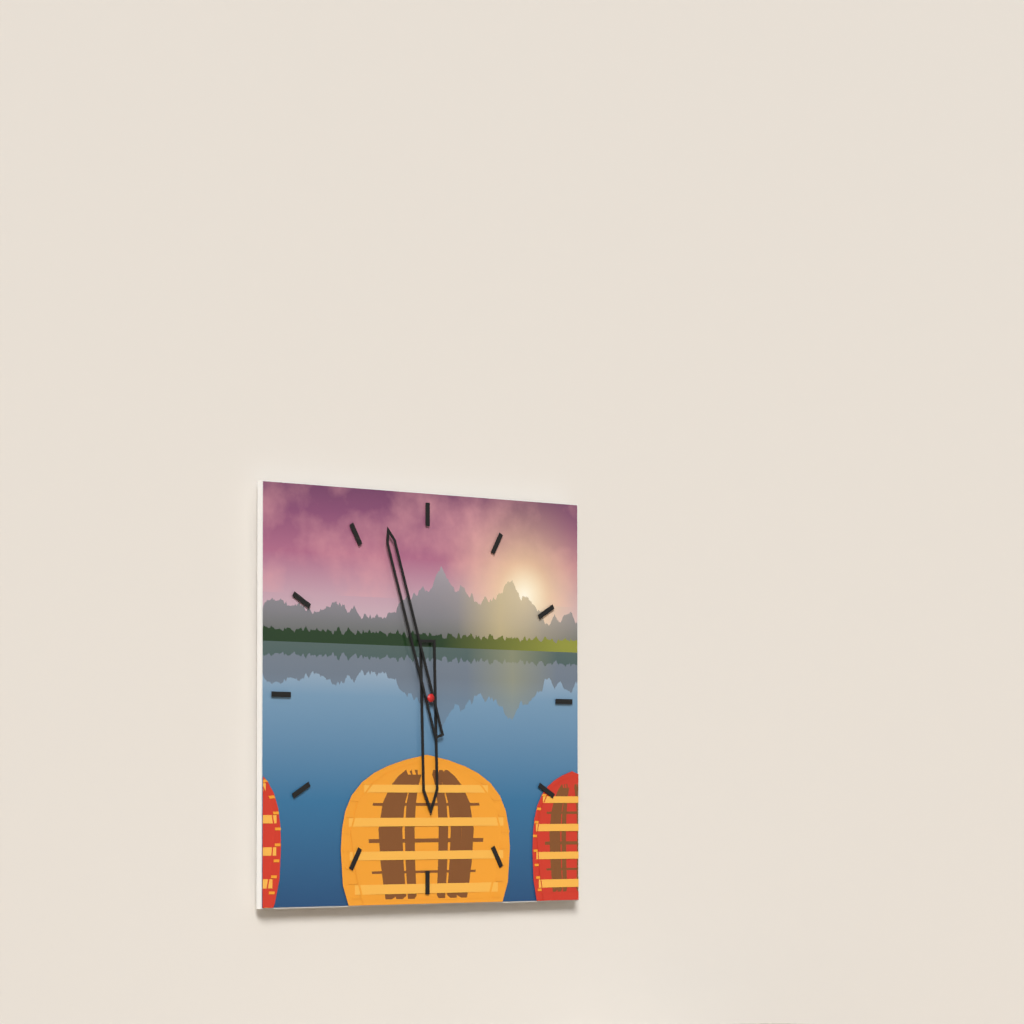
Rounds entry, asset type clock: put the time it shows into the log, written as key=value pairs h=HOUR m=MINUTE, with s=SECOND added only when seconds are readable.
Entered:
h=5 m=57
